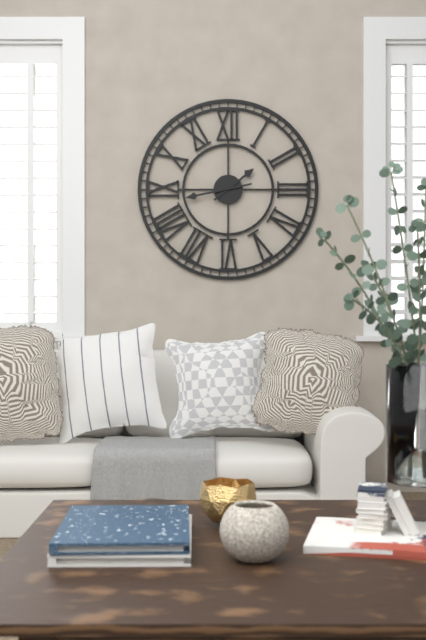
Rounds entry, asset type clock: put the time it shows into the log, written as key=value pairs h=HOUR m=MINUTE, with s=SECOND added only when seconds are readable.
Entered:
h=1 m=43
